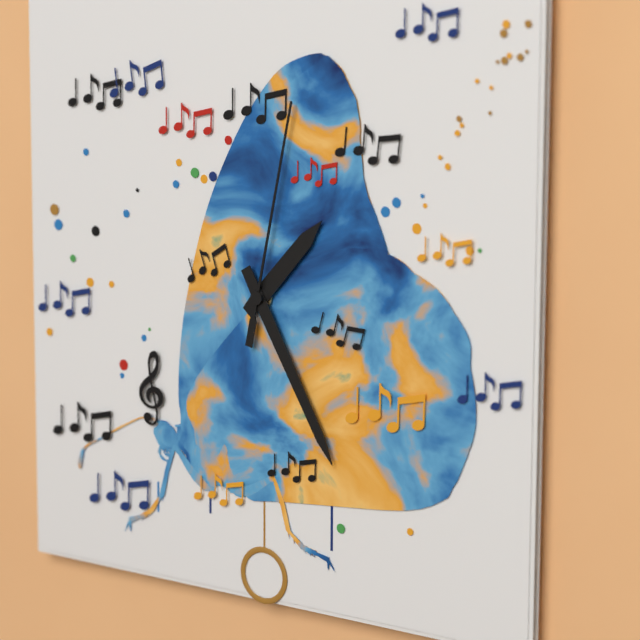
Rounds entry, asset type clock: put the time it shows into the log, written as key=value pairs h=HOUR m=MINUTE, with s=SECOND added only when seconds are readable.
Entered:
h=1 m=25 s=2
